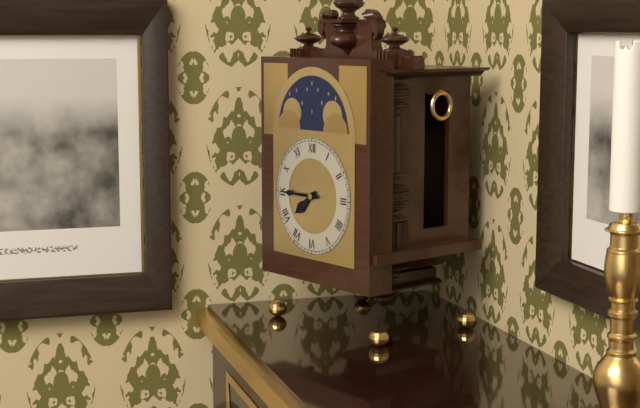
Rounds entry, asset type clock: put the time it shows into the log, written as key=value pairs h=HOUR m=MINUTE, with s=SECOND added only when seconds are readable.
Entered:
h=7 m=45
